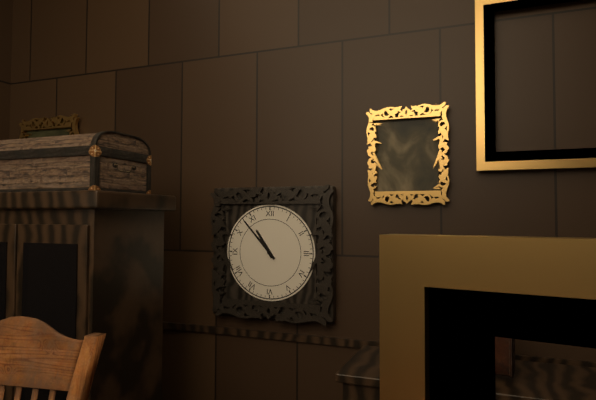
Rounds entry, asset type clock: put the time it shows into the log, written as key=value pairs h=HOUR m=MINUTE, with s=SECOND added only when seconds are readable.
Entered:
h=10 m=53
